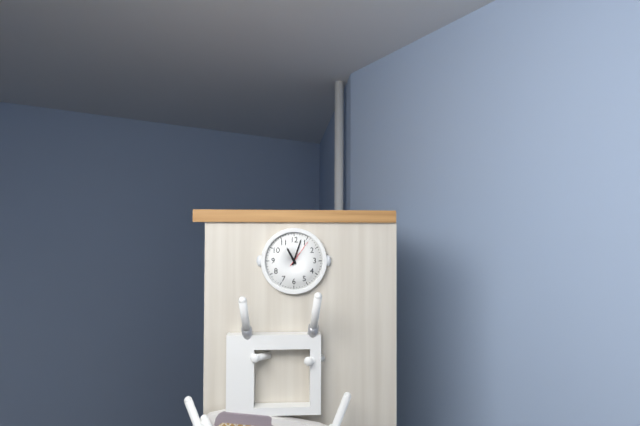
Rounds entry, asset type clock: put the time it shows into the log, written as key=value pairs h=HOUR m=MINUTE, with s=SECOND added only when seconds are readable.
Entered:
h=11 m=3
